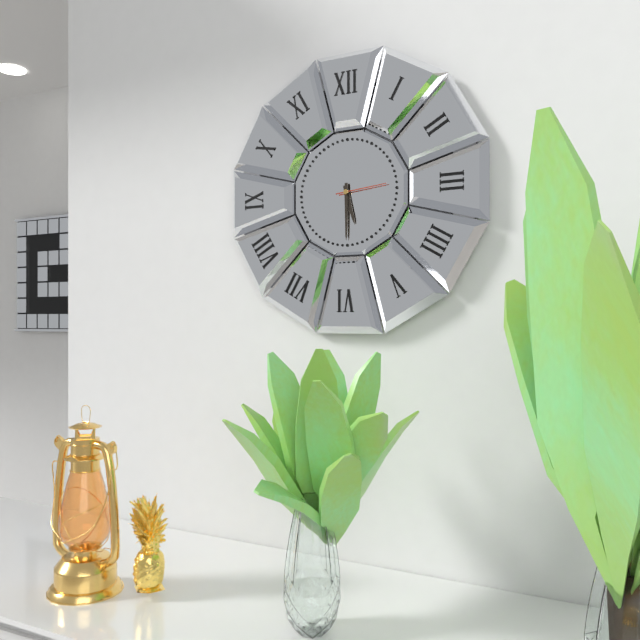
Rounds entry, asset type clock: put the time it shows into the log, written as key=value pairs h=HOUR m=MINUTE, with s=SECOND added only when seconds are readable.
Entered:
h=5 m=30
